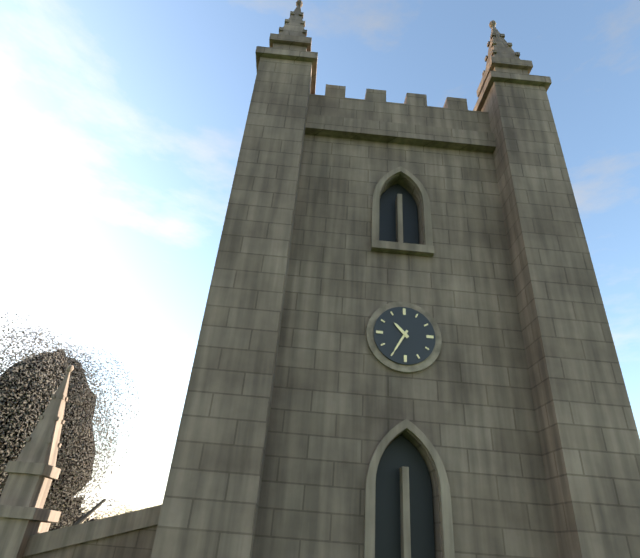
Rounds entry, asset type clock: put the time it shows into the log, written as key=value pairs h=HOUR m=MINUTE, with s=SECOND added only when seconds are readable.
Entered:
h=10 m=35
